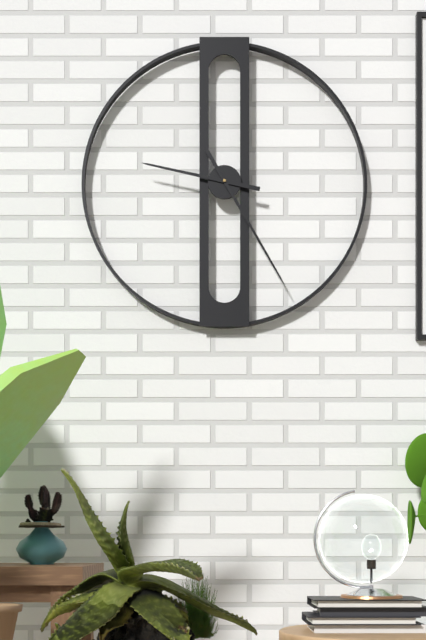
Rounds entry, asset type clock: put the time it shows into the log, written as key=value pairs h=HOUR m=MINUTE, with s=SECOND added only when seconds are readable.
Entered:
h=9 m=25
